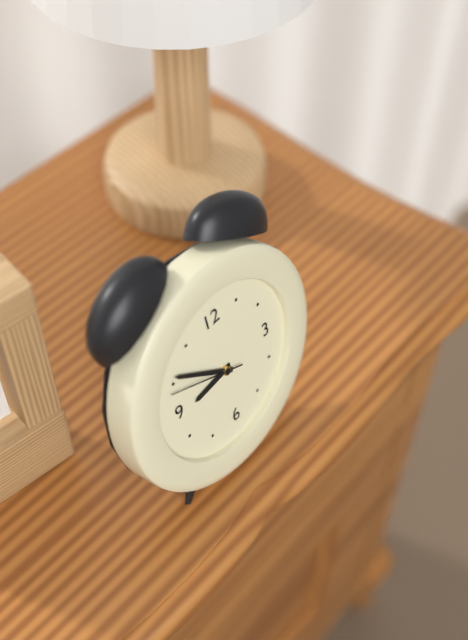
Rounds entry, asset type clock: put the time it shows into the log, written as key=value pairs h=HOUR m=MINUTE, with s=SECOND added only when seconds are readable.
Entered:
h=8 m=51 s=49
